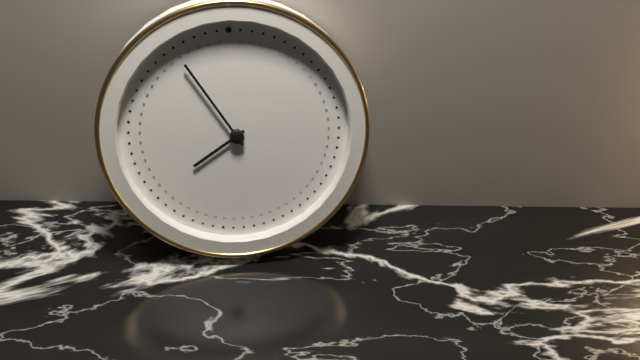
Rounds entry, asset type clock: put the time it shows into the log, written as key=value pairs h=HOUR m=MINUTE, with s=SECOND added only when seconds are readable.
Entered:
h=7 m=55
